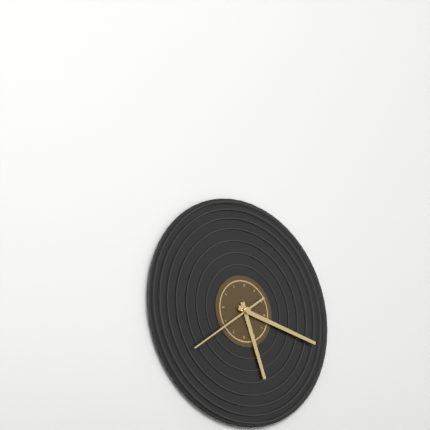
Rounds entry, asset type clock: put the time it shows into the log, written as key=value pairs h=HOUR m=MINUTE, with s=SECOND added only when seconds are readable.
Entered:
h=5 m=17 s=39
